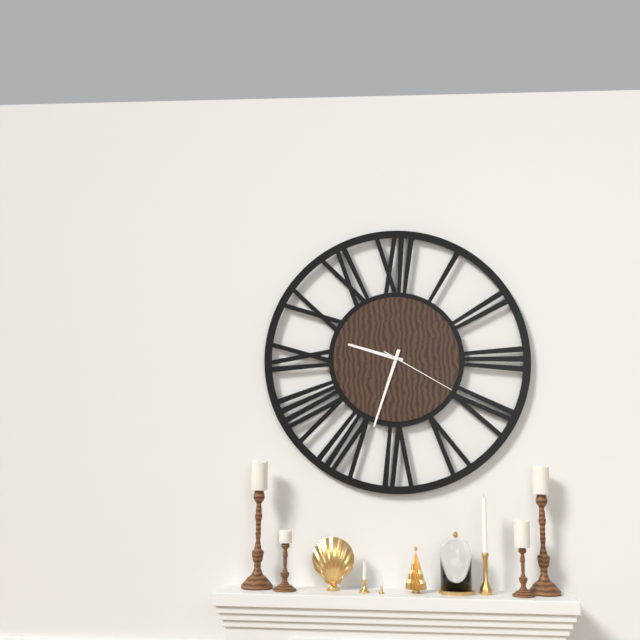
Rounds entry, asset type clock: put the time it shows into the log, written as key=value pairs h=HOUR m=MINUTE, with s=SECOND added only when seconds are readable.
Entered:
h=9 m=33 s=20
